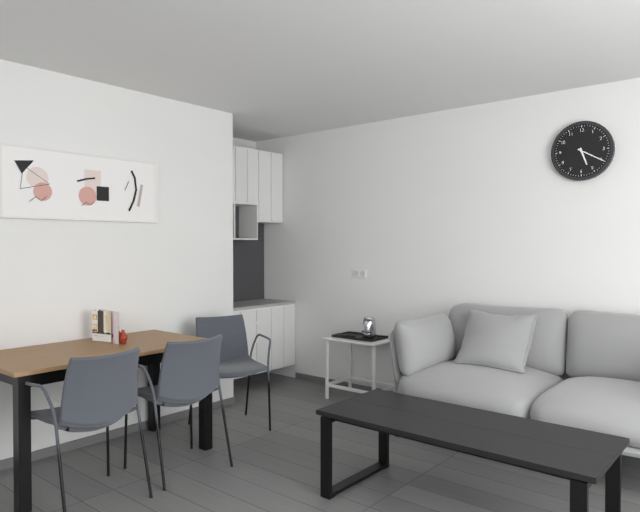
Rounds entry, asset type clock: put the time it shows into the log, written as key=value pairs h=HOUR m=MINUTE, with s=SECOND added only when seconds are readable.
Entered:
h=5 m=20
